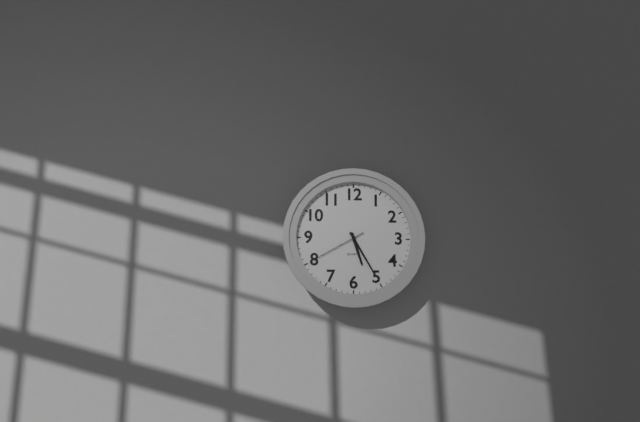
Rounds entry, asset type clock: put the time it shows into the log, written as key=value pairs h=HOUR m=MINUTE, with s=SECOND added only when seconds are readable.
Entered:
h=5 m=25 s=40
